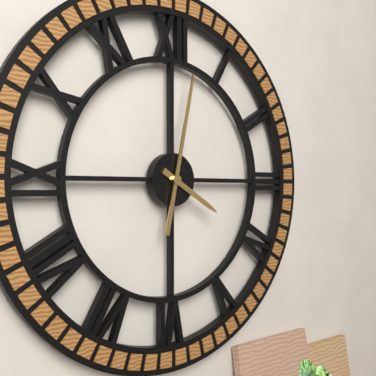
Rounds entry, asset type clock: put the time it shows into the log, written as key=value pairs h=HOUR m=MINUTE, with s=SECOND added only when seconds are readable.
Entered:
h=4 m=2
